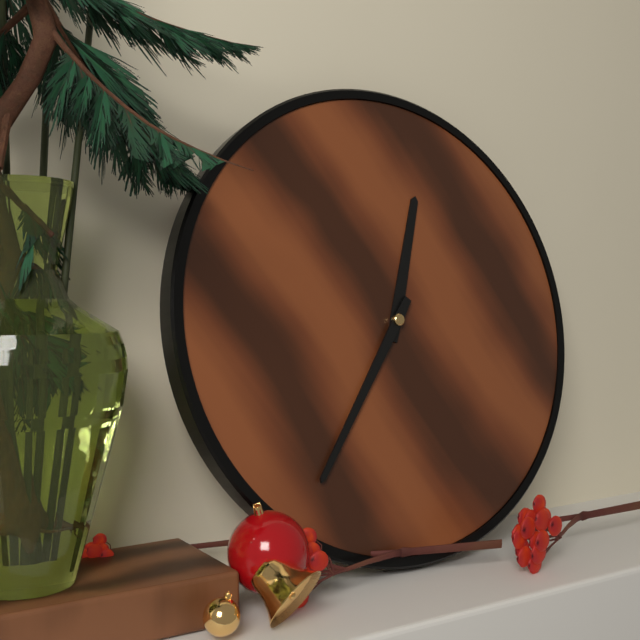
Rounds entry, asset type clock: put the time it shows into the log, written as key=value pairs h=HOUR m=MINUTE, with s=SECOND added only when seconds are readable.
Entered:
h=12 m=36
